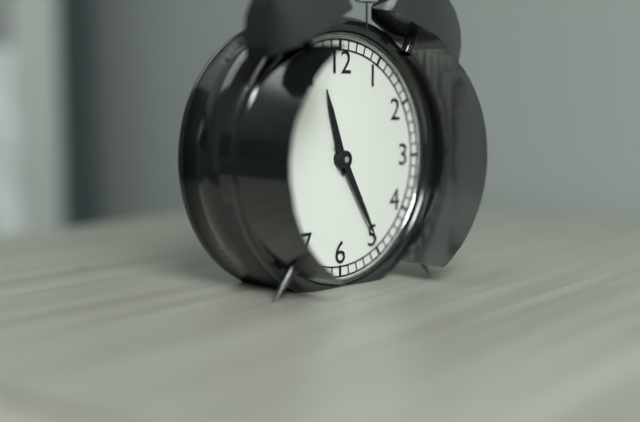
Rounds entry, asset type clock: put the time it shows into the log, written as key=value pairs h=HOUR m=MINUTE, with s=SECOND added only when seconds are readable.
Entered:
h=11 m=25
